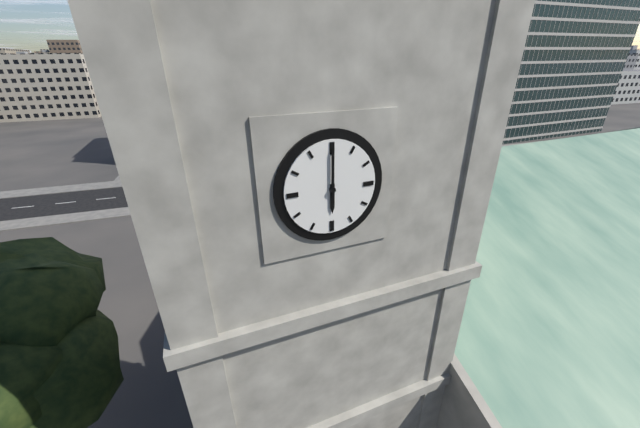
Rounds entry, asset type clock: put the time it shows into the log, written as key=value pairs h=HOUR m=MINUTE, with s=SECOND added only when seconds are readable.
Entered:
h=6 m=0
